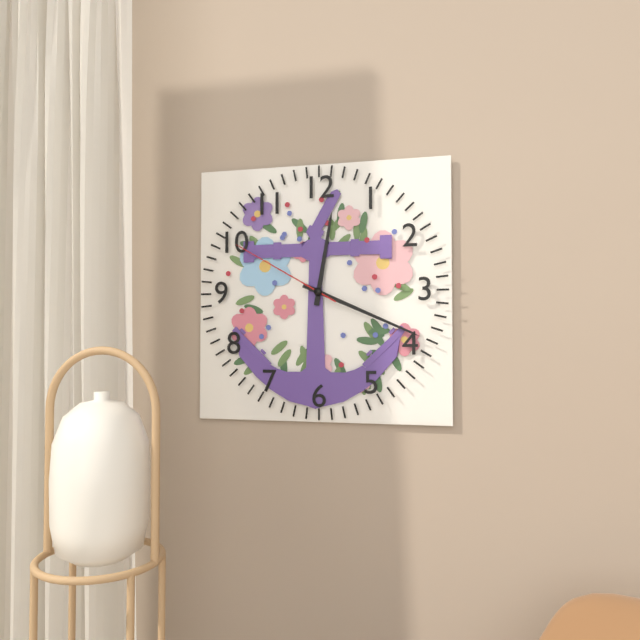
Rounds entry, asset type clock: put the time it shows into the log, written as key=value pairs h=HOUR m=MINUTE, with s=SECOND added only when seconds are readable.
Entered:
h=12 m=19 s=50
